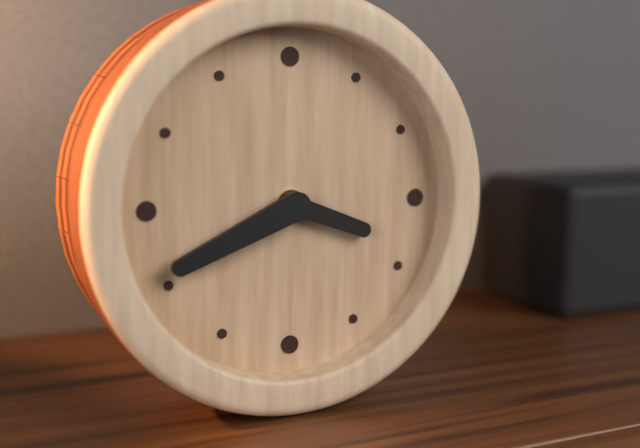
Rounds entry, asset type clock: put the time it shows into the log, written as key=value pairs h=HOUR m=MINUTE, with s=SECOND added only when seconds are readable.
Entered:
h=3 m=41
